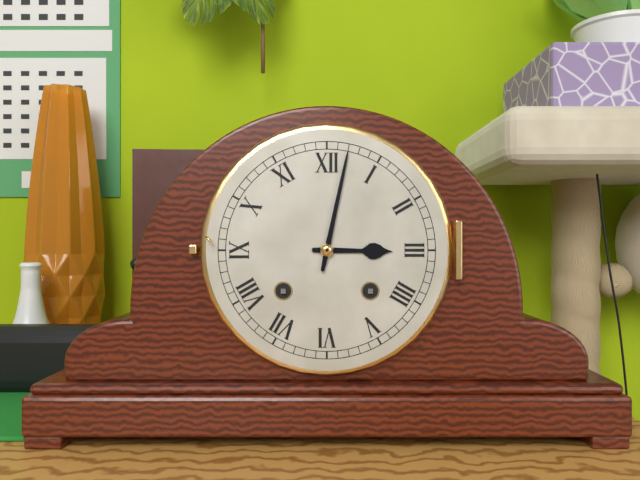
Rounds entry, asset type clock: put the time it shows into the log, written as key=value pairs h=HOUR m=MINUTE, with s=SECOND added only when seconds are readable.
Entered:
h=3 m=2
